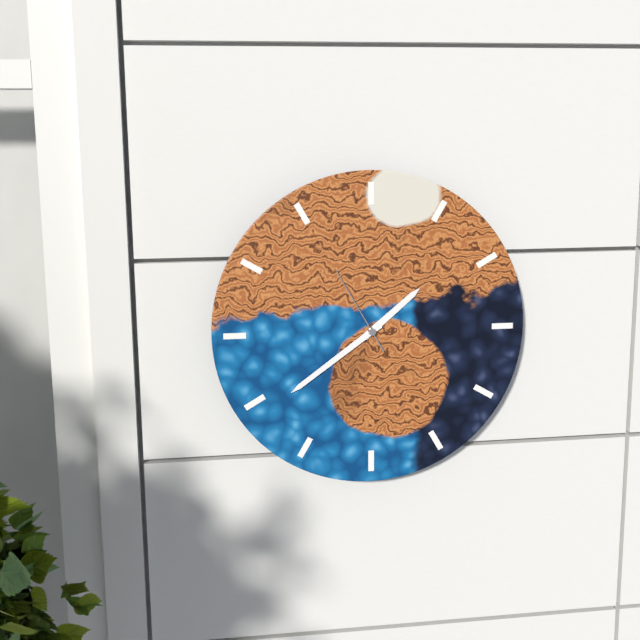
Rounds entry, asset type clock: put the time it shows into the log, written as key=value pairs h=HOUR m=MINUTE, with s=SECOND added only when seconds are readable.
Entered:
h=1 m=39 s=55
